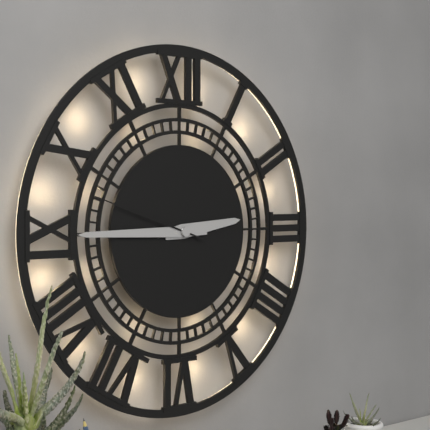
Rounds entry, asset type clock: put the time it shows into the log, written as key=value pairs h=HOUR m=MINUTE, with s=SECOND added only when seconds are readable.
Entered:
h=2 m=45 s=48
